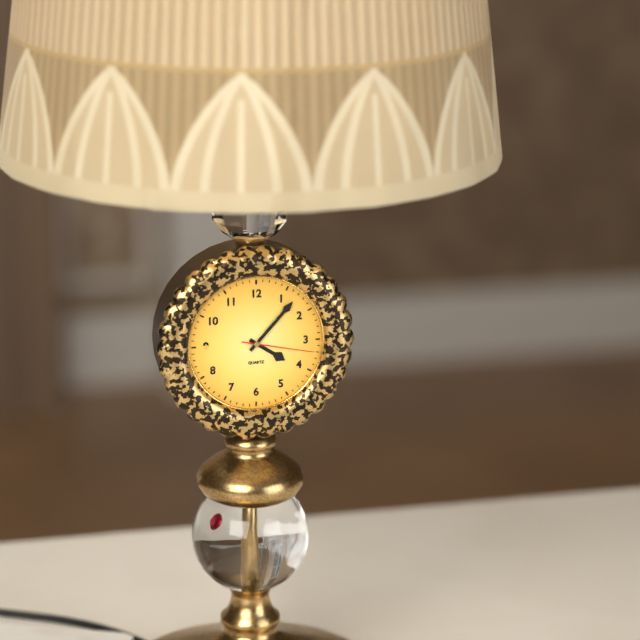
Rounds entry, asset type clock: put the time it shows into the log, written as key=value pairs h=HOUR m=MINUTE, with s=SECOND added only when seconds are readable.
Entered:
h=4 m=7 s=17
